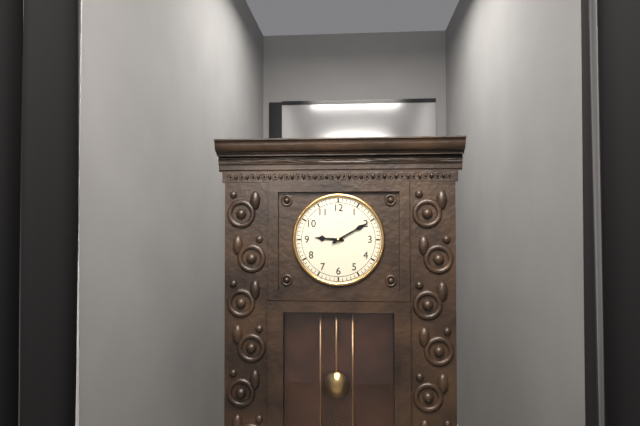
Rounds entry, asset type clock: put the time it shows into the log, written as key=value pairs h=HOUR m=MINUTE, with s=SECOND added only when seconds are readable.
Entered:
h=9 m=10
